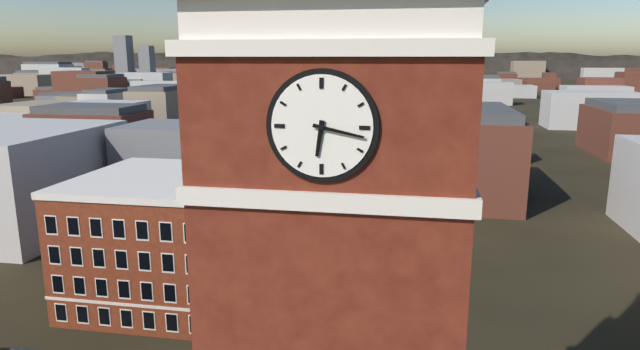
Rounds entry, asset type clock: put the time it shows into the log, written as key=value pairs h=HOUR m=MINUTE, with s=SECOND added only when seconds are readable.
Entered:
h=6 m=17
